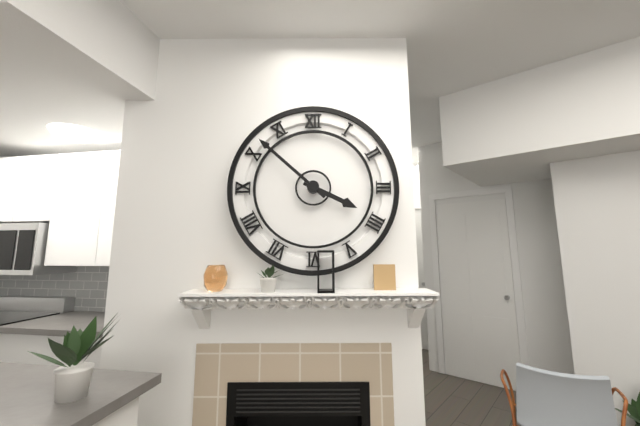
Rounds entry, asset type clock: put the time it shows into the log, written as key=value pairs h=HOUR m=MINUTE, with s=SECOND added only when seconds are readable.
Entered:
h=3 m=52
